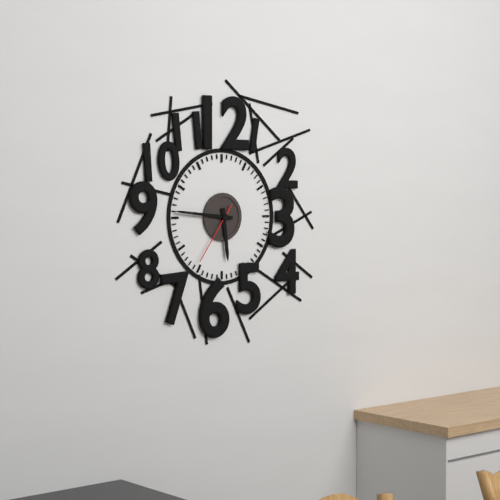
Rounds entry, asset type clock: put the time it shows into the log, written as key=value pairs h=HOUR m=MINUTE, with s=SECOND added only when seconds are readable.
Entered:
h=5 m=46 s=36
